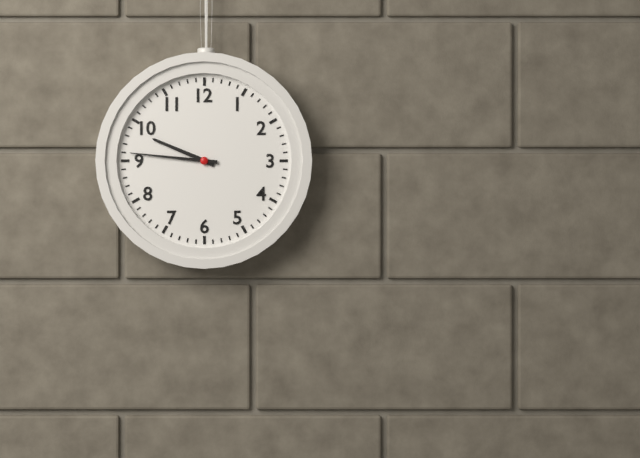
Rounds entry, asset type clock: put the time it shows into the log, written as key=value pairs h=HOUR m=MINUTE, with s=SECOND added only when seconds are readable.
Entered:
h=9 m=46
